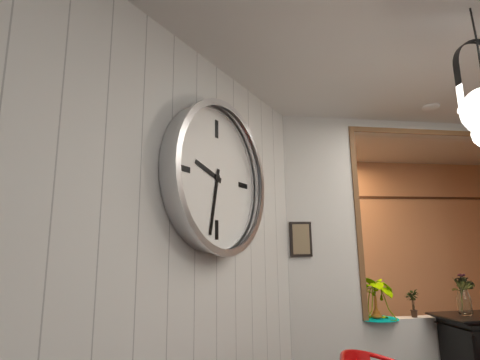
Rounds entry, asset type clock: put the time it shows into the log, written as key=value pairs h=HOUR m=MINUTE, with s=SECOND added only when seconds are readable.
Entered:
h=9 m=32
